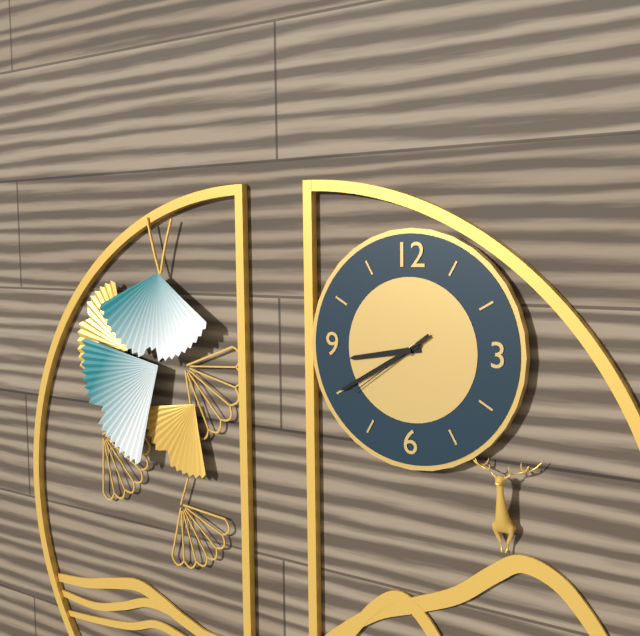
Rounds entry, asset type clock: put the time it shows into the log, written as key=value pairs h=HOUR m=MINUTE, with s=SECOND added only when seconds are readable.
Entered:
h=8 m=40 s=39
